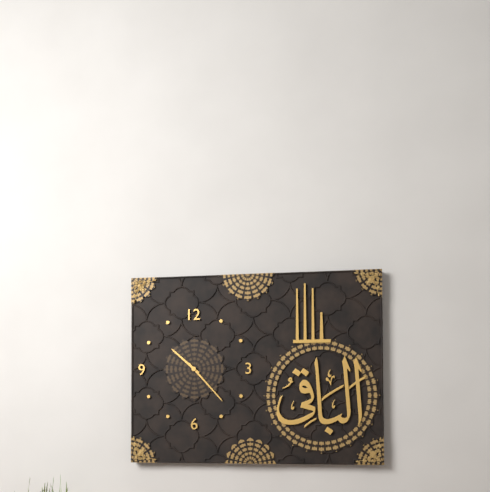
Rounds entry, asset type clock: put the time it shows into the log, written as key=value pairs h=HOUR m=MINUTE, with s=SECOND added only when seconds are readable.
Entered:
h=10 m=23
